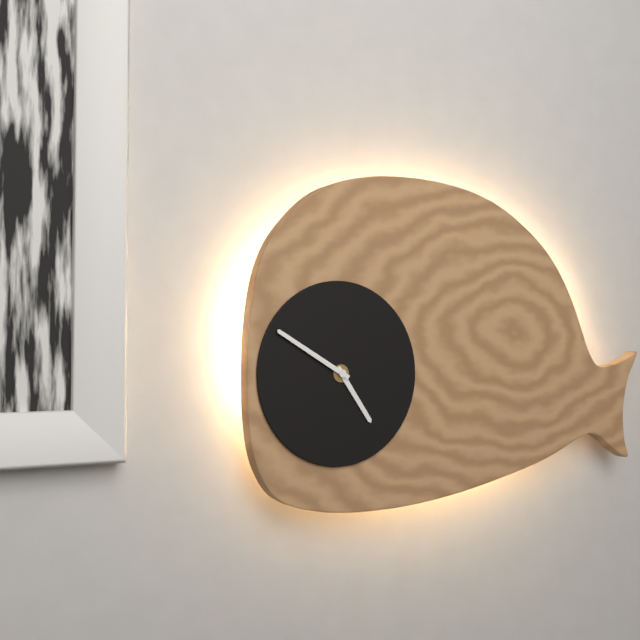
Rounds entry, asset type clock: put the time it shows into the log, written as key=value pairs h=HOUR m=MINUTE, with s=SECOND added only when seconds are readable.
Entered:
h=4 m=50
